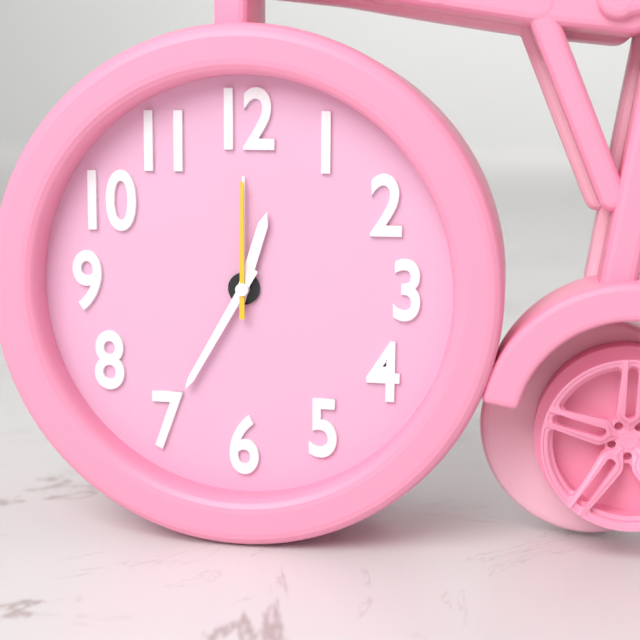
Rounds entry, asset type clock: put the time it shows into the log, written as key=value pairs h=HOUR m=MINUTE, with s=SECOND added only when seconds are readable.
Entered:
h=12 m=35 s=0
